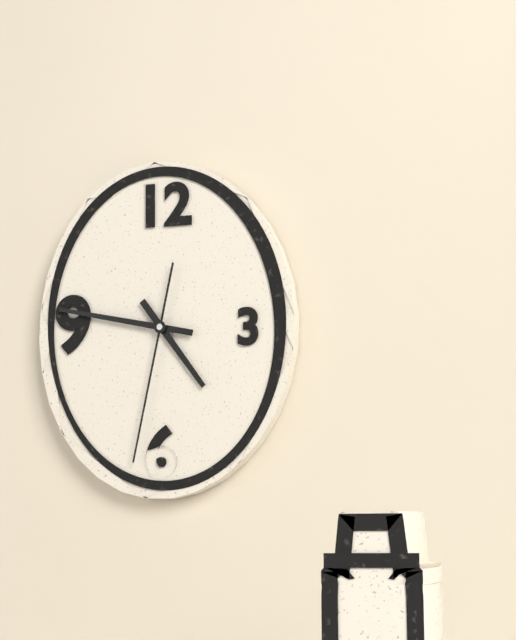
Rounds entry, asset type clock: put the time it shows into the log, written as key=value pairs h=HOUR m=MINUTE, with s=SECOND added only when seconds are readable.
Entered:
h=4 m=47 s=32
